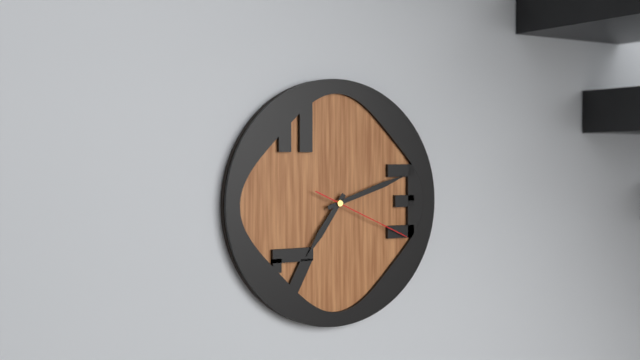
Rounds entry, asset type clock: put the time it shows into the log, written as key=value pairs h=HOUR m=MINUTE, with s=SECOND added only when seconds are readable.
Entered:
h=7 m=12 s=19
